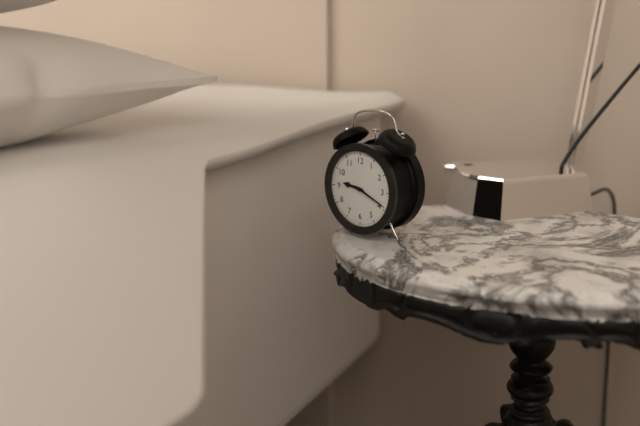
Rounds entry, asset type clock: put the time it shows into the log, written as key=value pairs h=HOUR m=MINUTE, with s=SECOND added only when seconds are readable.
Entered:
h=9 m=19
